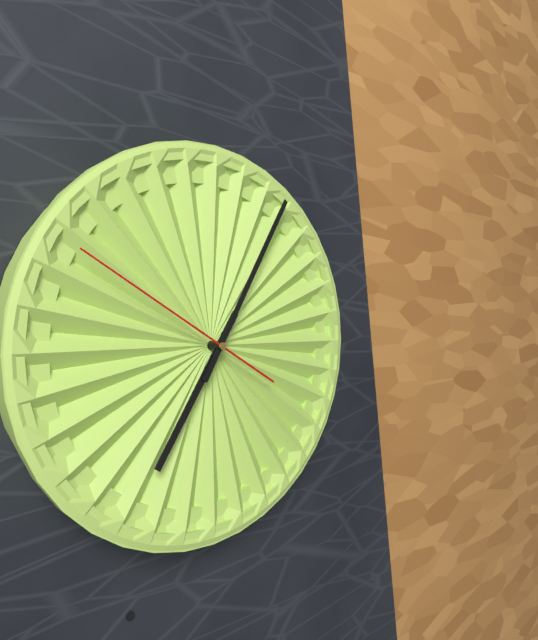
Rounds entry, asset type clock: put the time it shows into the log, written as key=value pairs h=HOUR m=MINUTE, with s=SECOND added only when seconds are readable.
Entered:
h=7 m=5 s=50
